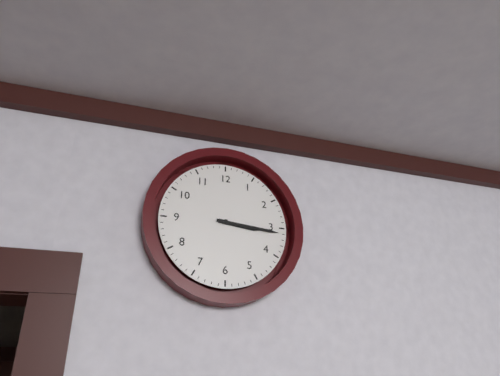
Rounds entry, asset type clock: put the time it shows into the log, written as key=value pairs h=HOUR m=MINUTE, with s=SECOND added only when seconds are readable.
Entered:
h=3 m=16
